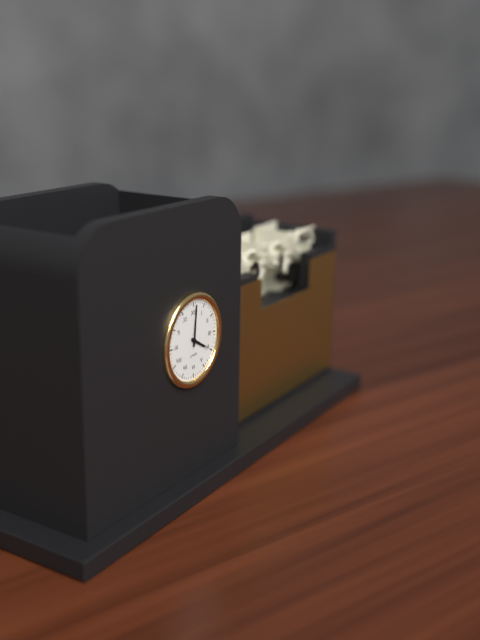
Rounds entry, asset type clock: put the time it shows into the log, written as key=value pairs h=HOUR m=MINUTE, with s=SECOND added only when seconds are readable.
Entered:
h=4 m=1
